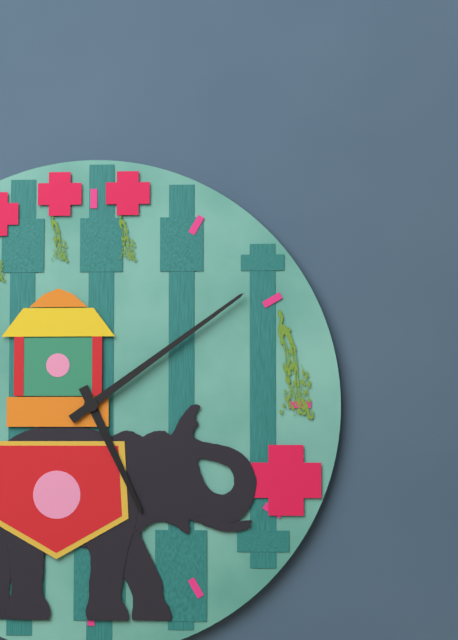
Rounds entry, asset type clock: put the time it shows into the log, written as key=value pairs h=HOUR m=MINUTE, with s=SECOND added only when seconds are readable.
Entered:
h=5 m=9
